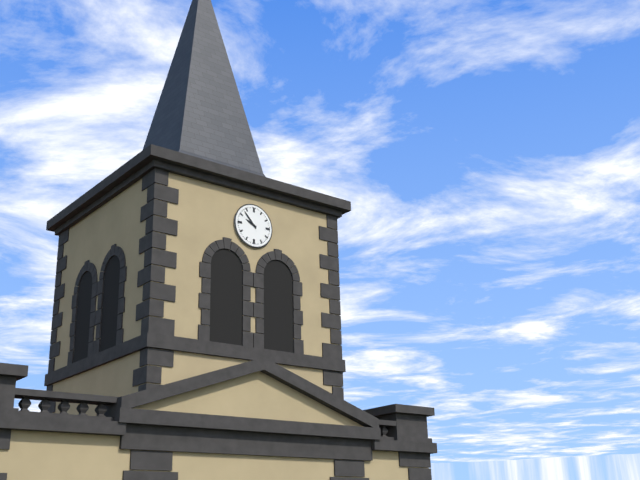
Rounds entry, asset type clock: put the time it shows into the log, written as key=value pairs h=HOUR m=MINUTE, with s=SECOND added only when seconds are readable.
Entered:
h=9 m=53
